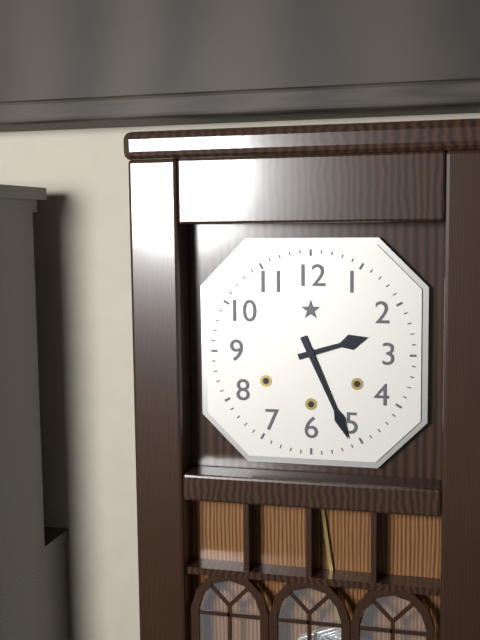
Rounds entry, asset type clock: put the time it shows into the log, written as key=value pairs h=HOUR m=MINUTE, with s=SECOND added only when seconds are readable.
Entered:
h=2 m=26
